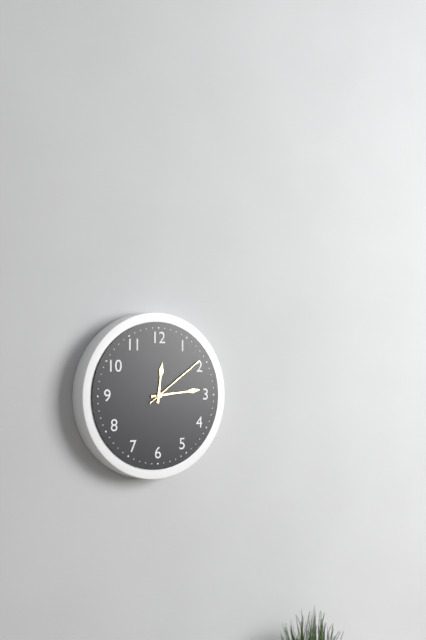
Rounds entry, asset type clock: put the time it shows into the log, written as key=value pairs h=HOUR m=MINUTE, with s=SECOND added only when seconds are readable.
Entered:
h=12 m=14 s=9
